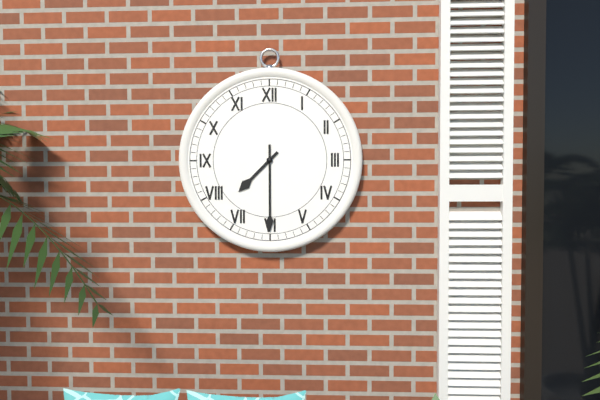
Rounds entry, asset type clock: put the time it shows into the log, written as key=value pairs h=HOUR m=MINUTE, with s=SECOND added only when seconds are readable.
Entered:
h=7 m=30
